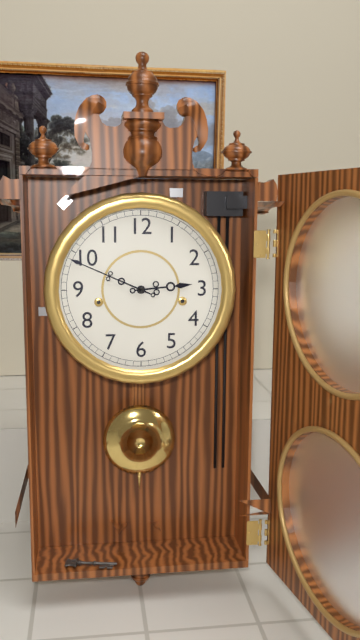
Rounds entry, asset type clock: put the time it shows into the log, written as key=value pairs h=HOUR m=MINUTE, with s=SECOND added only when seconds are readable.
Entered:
h=2 m=49
